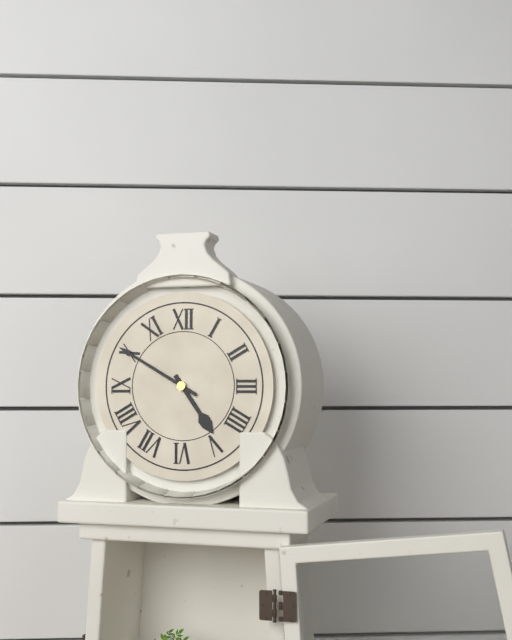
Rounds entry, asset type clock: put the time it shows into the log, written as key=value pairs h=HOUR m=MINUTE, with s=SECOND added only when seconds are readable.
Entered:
h=4 m=50
